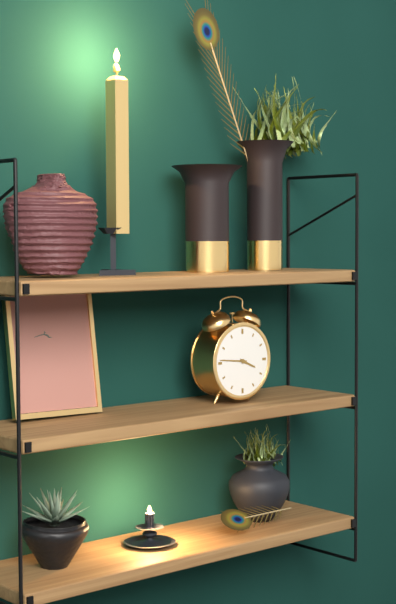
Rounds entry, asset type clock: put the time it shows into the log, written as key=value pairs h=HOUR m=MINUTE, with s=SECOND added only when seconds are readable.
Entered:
h=3 m=46
